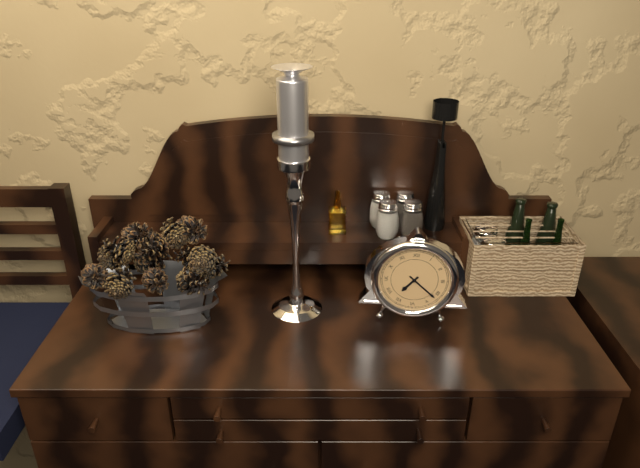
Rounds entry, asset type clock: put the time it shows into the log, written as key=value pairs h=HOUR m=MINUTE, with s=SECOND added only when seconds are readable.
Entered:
h=7 m=22
